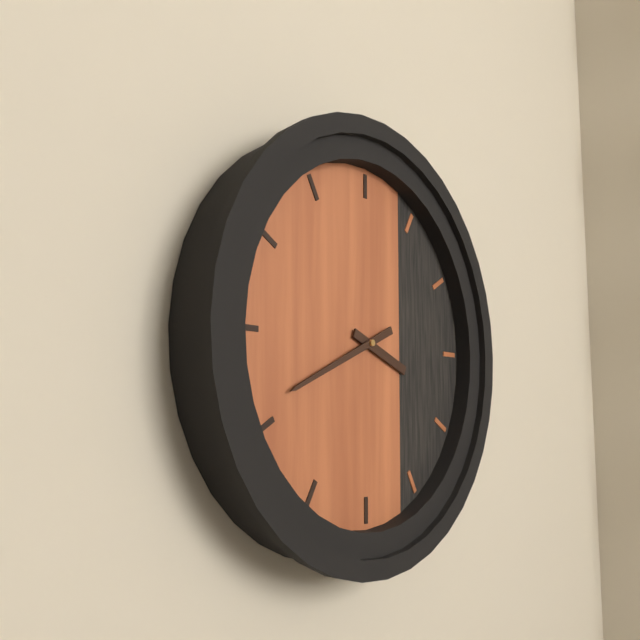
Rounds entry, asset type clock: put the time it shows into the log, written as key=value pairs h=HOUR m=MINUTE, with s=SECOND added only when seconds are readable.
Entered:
h=3 m=41
